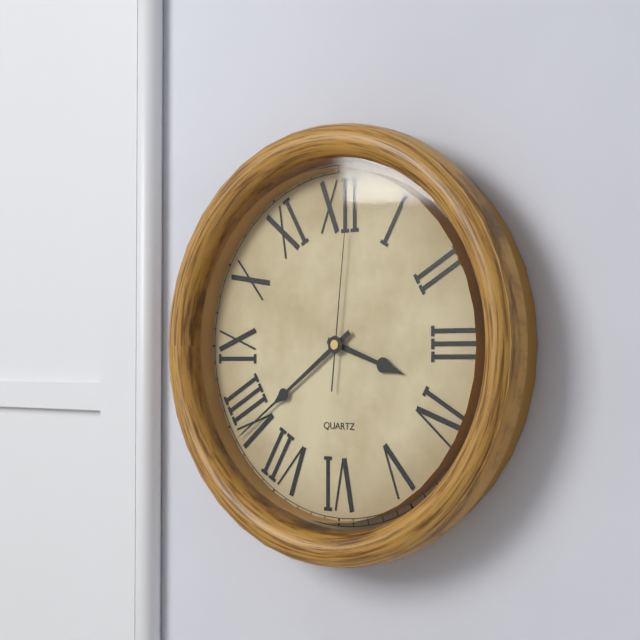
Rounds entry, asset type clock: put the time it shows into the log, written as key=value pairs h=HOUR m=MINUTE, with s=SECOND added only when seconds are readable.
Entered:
h=3 m=39 s=1
